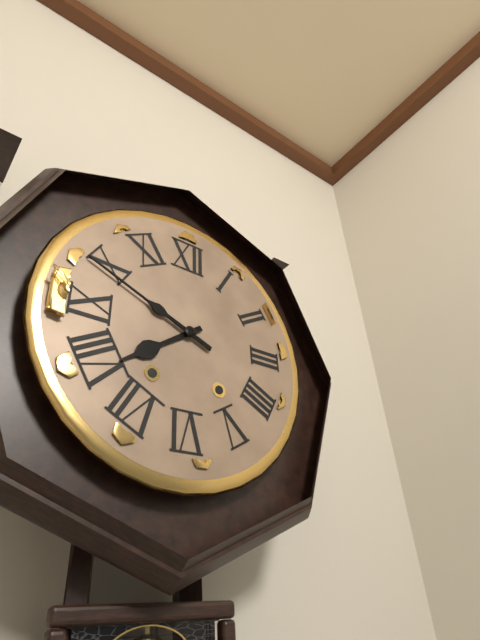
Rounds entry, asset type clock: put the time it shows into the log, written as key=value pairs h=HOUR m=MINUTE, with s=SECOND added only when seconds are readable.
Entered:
h=7 m=49
